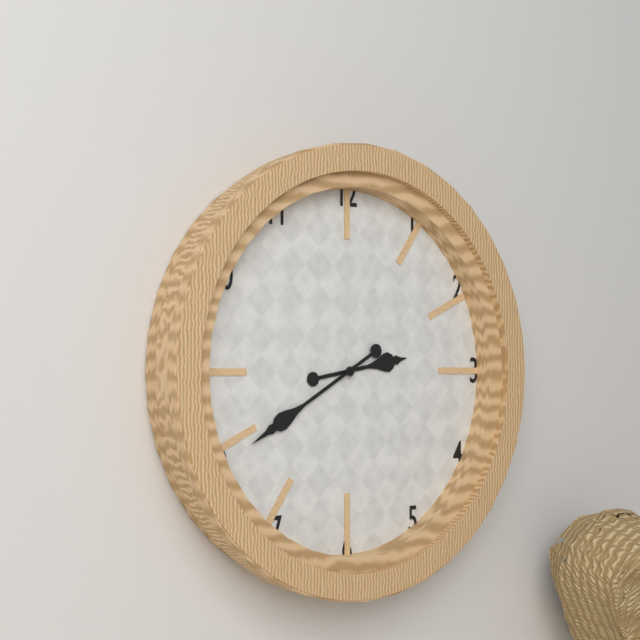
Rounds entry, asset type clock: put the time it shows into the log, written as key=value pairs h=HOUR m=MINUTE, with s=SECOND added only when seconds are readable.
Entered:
h=2 m=40
